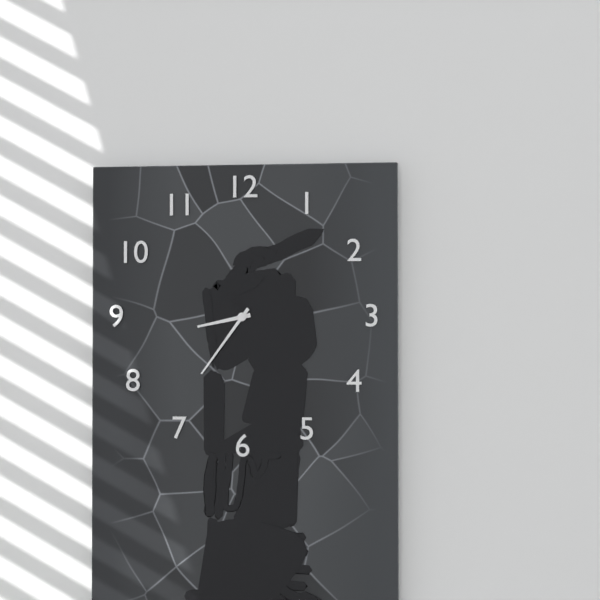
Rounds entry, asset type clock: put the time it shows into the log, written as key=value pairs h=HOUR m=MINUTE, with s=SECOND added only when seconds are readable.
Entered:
h=8 m=36
